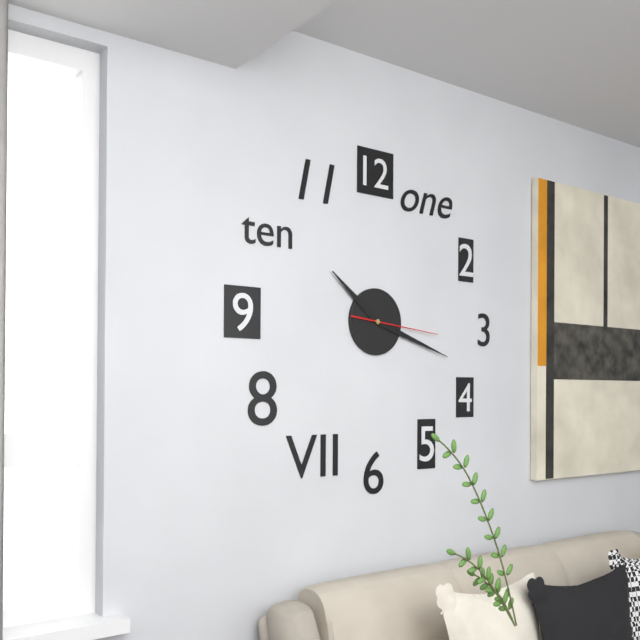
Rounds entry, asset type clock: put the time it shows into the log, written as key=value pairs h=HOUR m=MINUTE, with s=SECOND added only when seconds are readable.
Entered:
h=10 m=18 s=16
